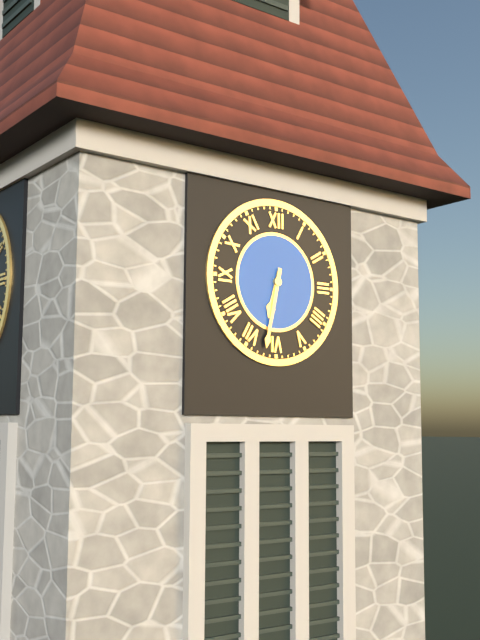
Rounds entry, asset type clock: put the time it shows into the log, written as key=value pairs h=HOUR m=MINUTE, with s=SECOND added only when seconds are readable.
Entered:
h=6 m=32
